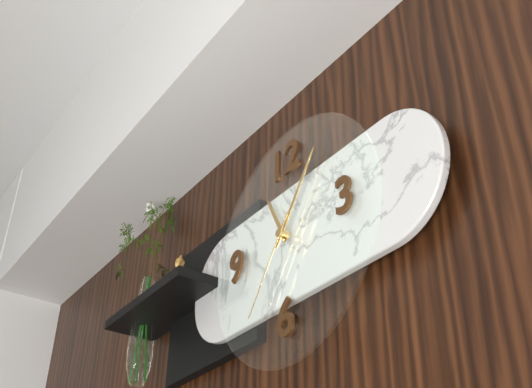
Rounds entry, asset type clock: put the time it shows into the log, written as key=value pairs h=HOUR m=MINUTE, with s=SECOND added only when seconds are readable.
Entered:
h=11 m=6 s=36
